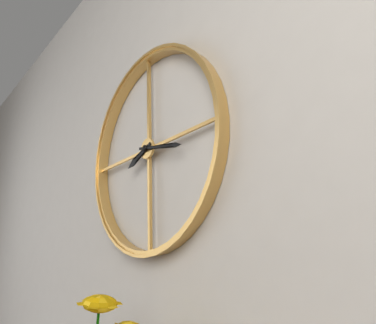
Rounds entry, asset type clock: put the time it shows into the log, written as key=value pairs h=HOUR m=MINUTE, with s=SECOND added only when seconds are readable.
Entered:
h=8 m=17
